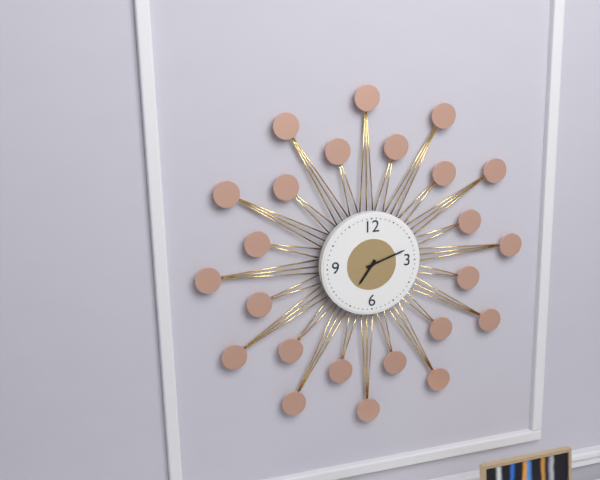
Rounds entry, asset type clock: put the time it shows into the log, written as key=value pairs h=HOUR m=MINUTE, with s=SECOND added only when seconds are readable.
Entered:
h=7 m=12
